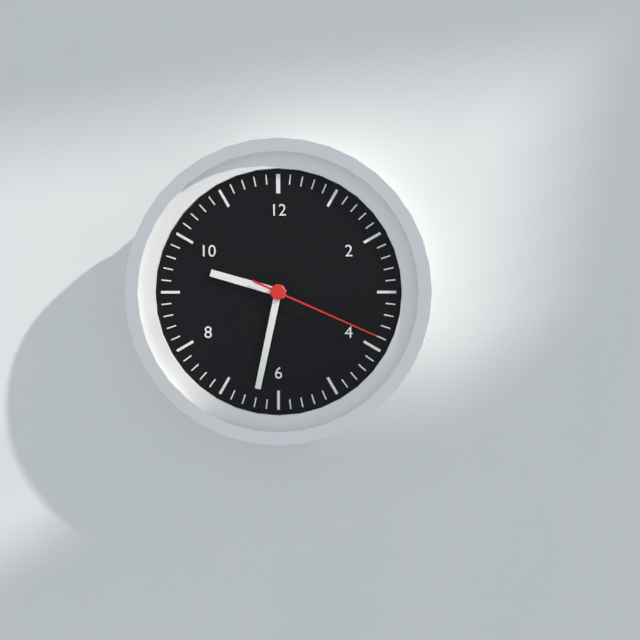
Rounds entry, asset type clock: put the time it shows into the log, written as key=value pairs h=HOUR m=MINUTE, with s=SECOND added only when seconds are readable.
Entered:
h=9 m=32 s=19
